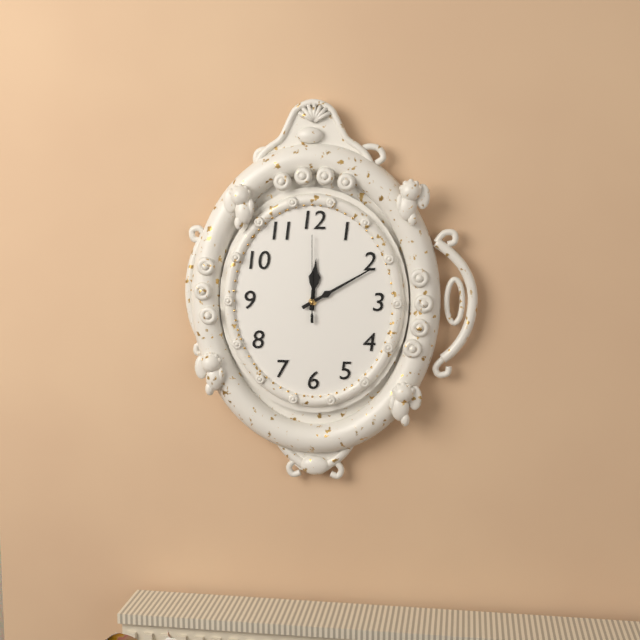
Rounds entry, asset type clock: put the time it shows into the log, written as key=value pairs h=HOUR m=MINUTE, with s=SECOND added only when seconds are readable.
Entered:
h=12 m=10 s=0
